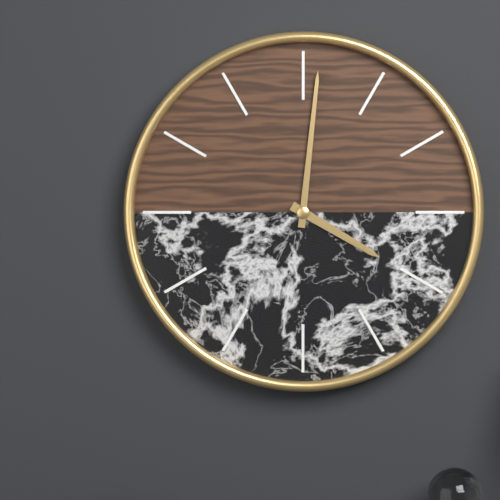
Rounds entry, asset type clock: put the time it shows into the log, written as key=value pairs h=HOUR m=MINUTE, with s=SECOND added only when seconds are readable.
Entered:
h=4 m=1
